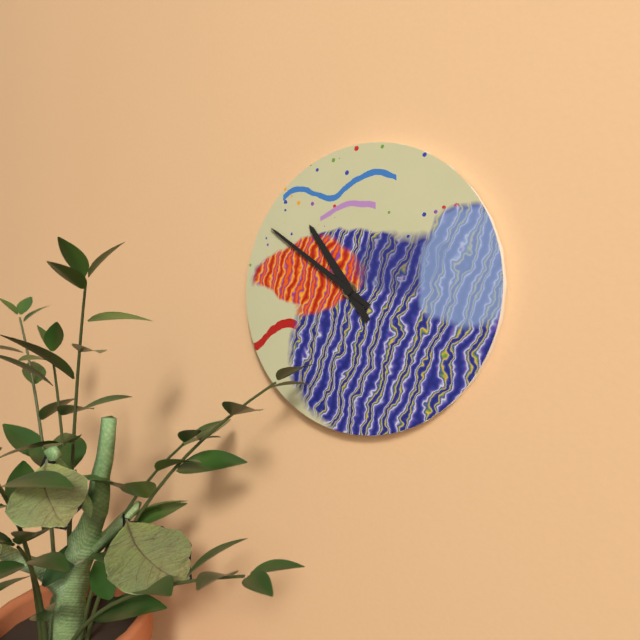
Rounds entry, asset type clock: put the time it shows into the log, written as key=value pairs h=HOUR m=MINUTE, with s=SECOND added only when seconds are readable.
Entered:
h=10 m=51
